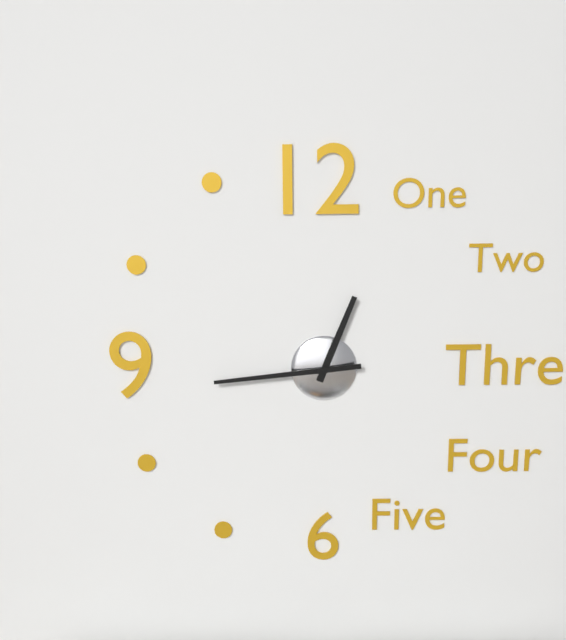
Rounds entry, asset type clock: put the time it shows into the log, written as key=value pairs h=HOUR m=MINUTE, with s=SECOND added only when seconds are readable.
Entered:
h=12 m=44
